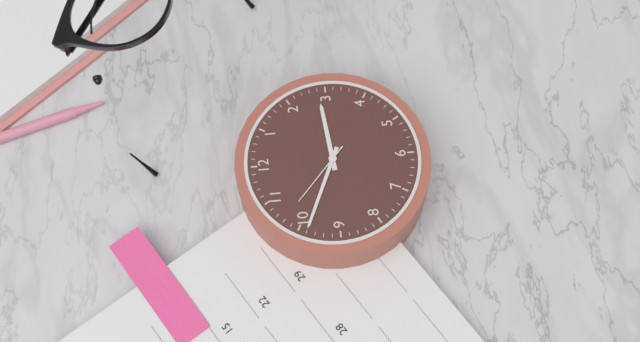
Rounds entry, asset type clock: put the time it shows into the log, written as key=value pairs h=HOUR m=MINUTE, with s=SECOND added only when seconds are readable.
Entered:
h=2 m=49
